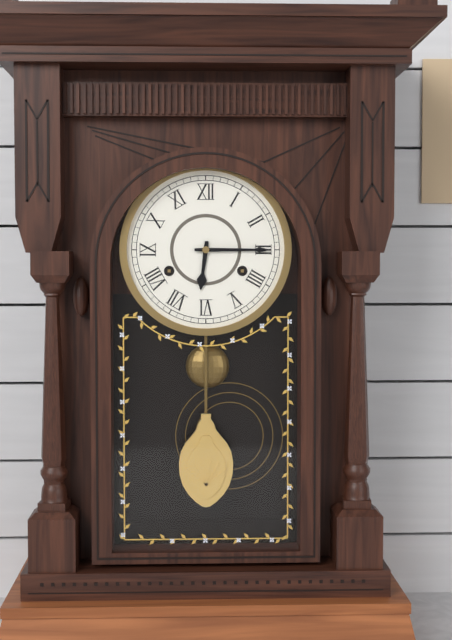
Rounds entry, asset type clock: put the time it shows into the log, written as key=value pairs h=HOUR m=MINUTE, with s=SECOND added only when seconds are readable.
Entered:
h=6 m=15
